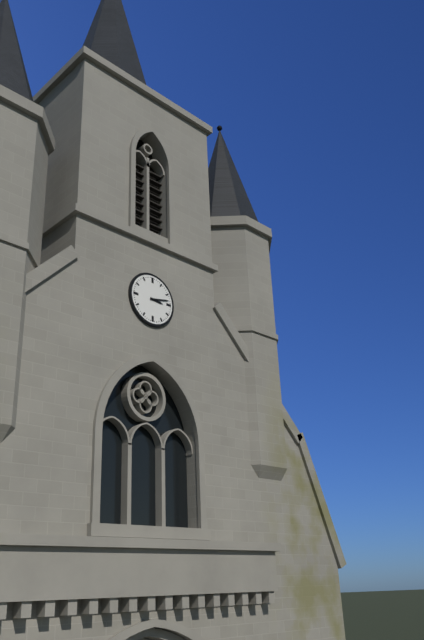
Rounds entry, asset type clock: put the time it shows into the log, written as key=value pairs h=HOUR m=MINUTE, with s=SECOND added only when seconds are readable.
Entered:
h=3 m=13
